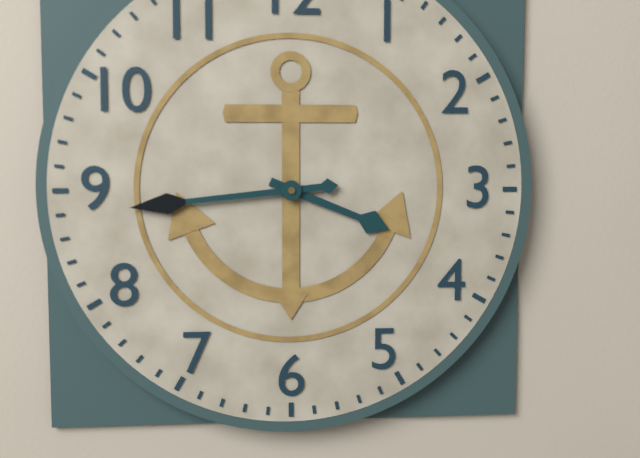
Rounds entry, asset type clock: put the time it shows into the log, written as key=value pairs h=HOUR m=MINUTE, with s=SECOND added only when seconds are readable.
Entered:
h=3 m=44
